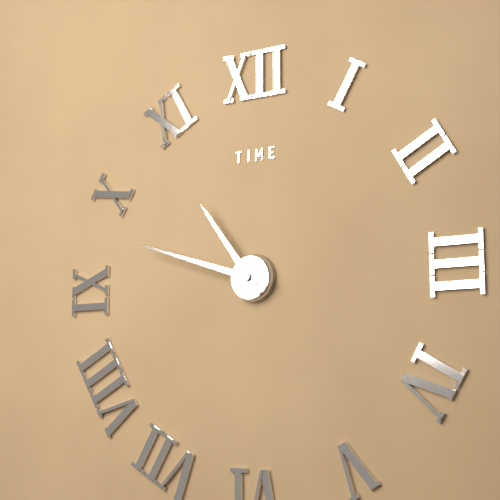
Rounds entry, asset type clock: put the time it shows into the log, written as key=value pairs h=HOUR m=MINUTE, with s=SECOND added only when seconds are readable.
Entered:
h=10 m=48
